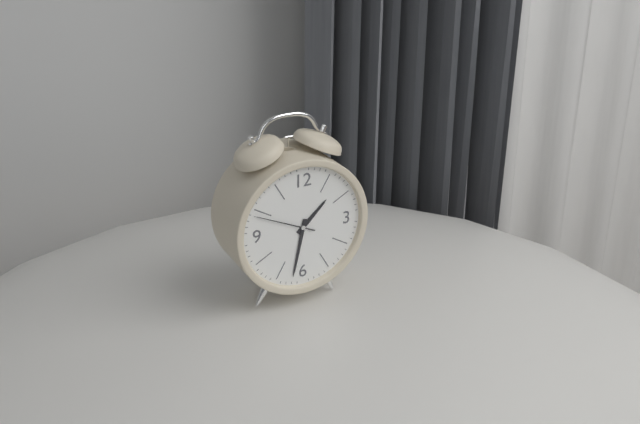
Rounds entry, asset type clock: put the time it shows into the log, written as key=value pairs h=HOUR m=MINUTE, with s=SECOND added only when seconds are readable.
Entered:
h=1 m=32 s=49
